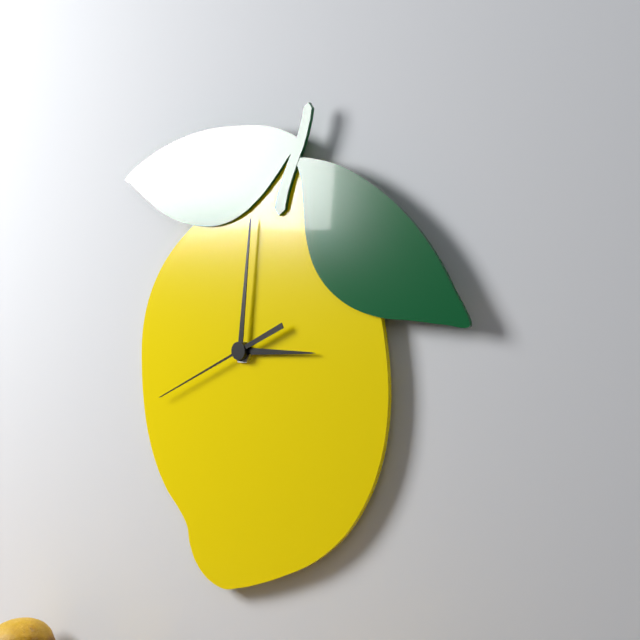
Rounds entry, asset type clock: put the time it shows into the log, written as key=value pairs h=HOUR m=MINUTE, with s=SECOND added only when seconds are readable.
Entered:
h=3 m=1 s=41
